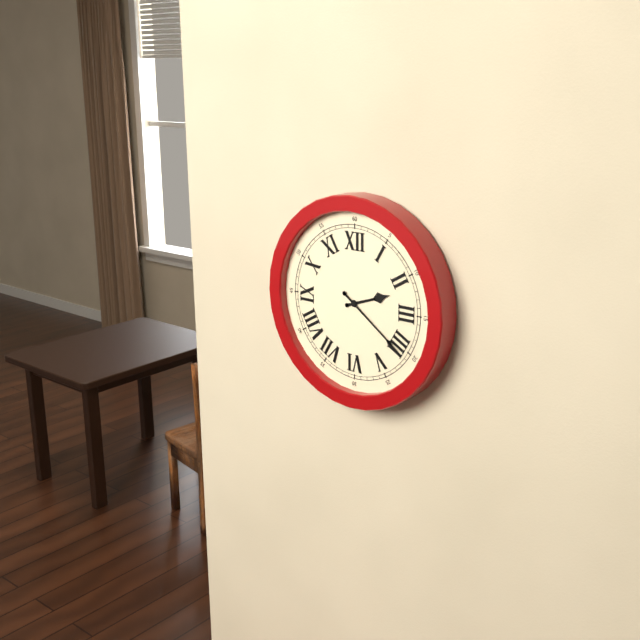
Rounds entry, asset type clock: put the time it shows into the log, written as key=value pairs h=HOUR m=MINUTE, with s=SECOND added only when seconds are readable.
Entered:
h=2 m=21
